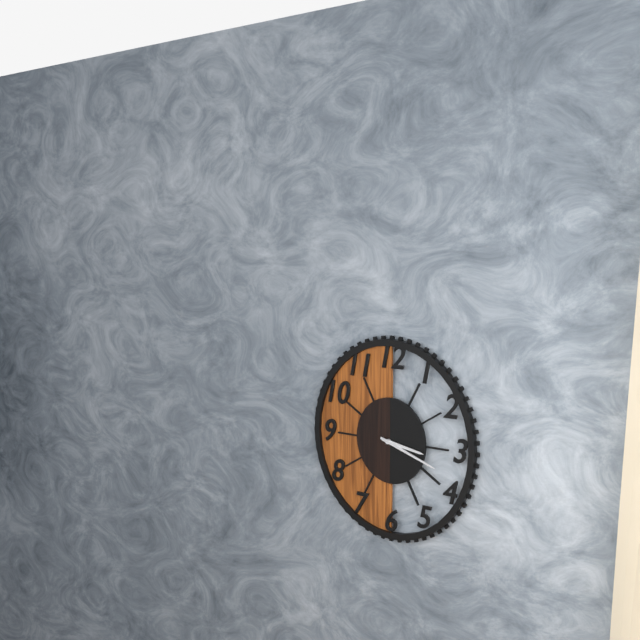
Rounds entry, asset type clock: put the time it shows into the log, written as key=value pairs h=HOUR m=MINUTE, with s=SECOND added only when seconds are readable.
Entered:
h=3 m=18
